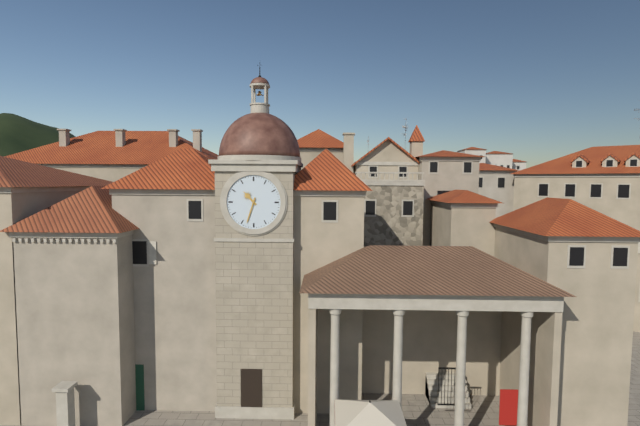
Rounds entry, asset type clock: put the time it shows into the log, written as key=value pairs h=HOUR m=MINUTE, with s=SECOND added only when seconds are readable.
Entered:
h=10 m=33
